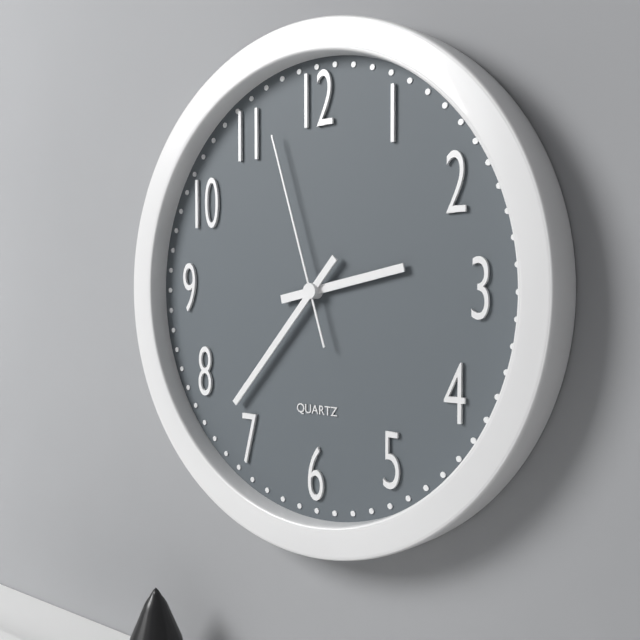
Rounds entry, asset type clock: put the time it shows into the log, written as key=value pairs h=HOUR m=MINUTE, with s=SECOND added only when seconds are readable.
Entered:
h=2 m=37 s=57
